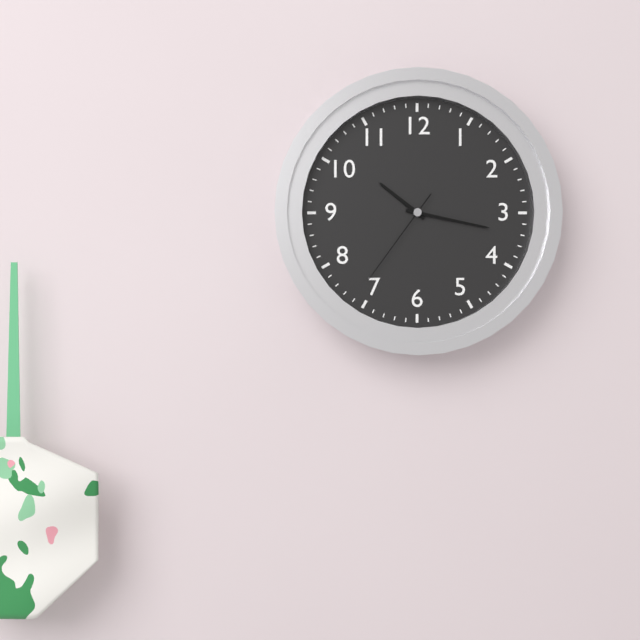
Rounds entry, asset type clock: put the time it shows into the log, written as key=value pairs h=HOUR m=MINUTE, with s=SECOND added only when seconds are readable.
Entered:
h=10 m=17 s=36
